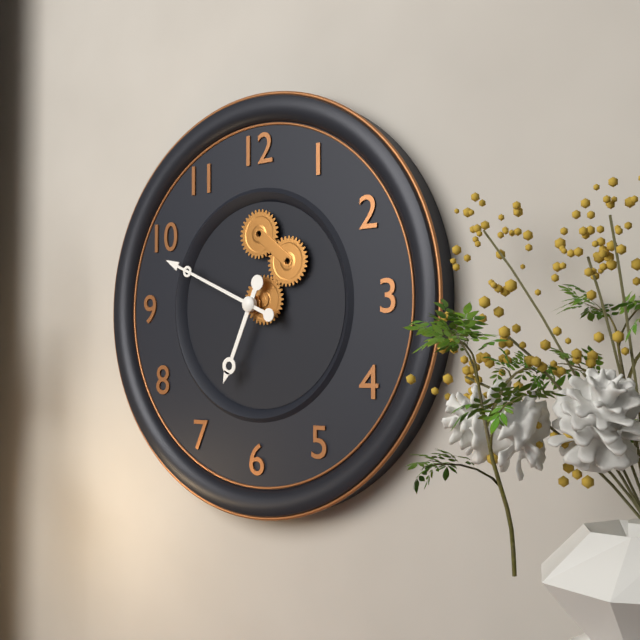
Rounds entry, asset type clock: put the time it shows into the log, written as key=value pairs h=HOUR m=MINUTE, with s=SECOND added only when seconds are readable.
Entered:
h=6 m=49
